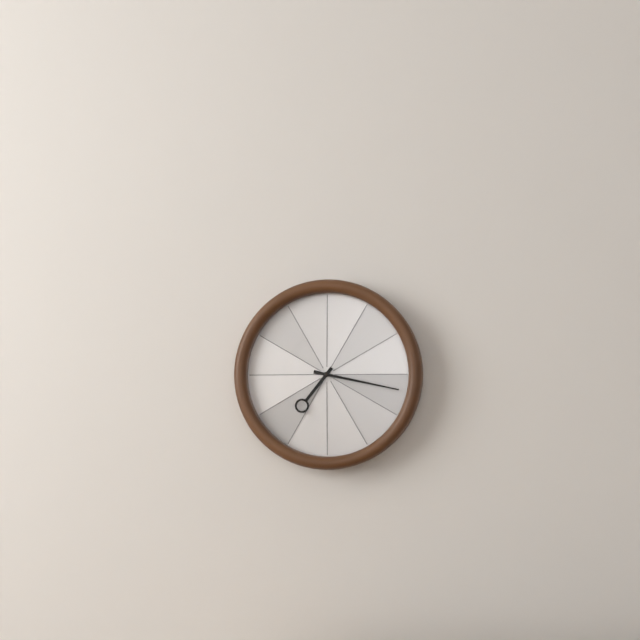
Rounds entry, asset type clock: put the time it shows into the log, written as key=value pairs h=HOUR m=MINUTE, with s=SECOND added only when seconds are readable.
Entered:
h=7 m=17
